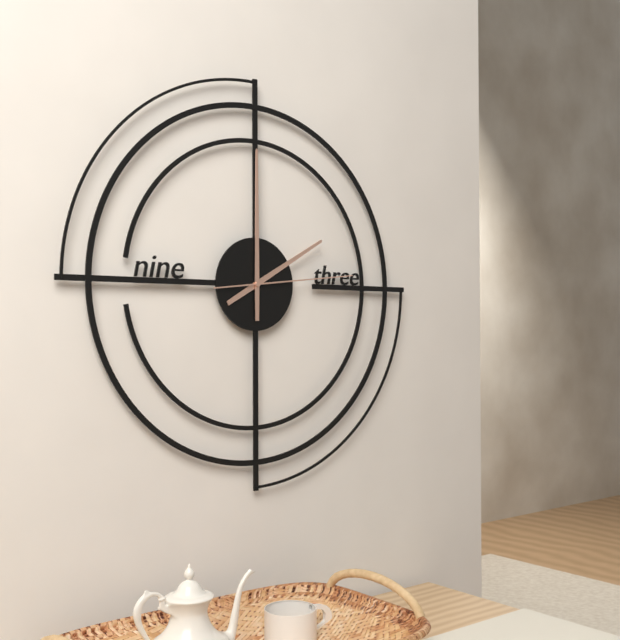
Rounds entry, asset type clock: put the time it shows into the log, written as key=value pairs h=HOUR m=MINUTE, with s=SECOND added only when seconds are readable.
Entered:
h=2 m=0 s=14
